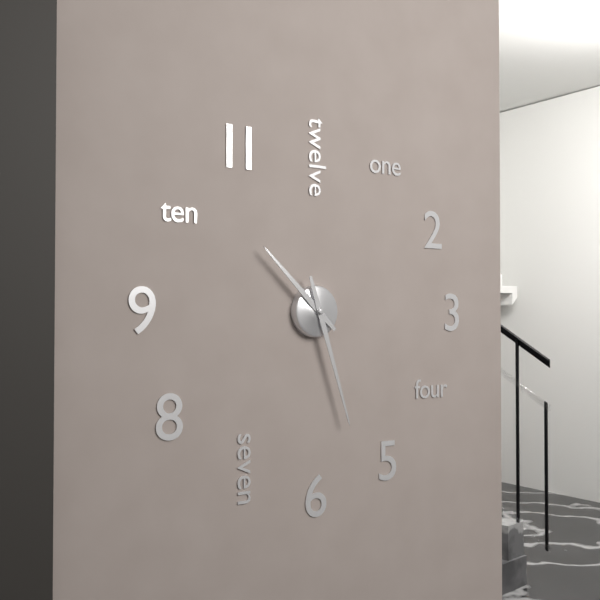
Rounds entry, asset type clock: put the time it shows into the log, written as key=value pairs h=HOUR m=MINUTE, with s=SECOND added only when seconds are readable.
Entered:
h=10 m=27
